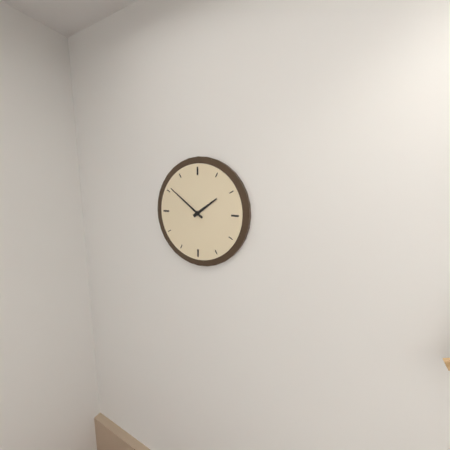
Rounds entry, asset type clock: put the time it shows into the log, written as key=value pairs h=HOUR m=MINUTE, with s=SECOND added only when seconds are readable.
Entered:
h=1 m=51
